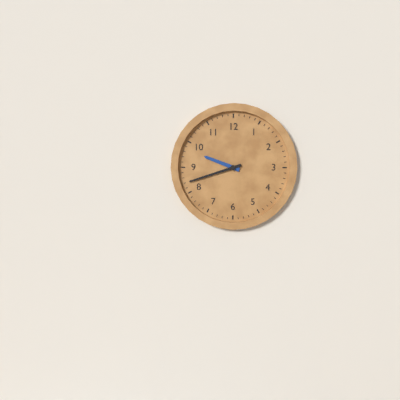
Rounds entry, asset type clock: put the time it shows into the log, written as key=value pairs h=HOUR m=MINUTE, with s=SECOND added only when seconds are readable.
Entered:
h=9 m=42
